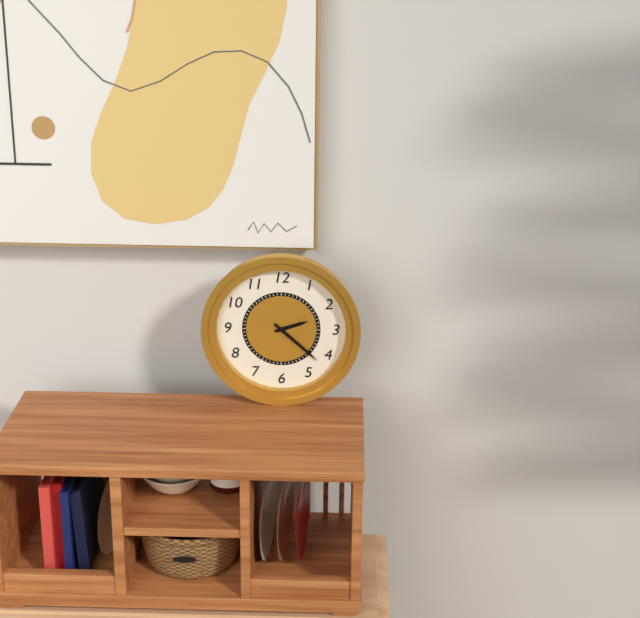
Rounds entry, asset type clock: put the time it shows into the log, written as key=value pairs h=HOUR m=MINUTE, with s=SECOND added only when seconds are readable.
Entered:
h=2 m=22
